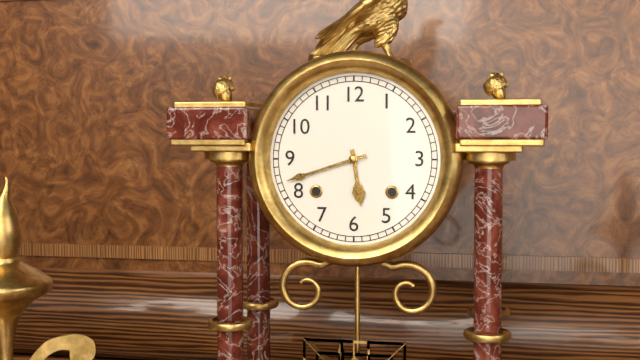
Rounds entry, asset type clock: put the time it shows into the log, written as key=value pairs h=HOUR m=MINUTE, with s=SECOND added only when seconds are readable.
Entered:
h=5 m=42
